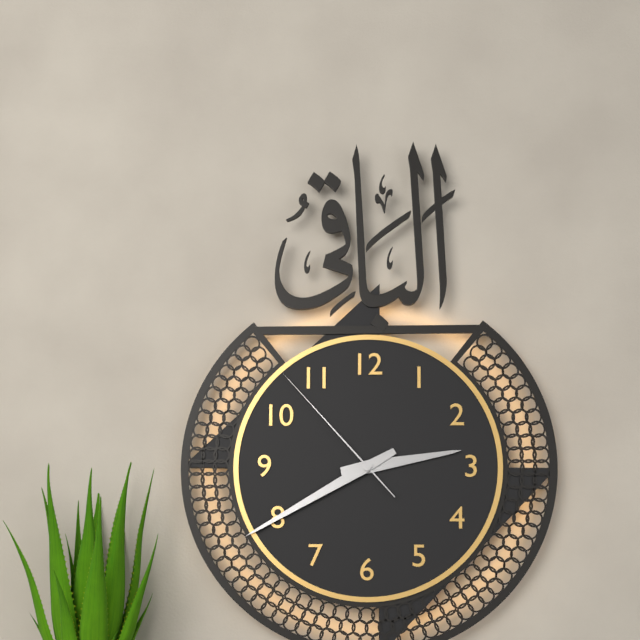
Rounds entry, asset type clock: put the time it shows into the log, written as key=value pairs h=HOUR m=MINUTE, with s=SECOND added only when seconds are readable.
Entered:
h=2 m=40 s=53
